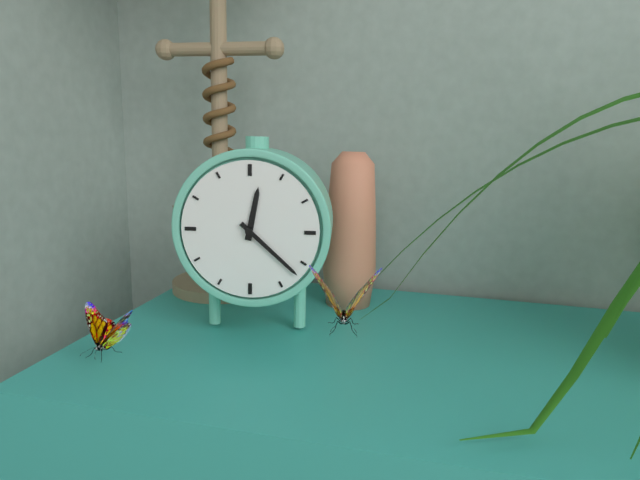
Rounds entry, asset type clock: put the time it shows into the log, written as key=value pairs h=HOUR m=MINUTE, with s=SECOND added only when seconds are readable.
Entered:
h=12 m=22
